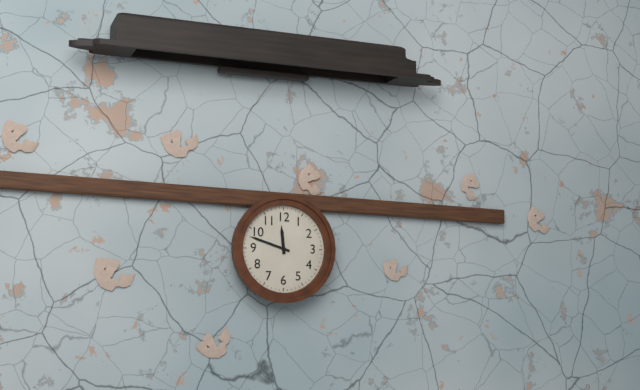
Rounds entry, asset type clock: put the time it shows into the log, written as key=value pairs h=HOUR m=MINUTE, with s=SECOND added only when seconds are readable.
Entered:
h=11 m=48
